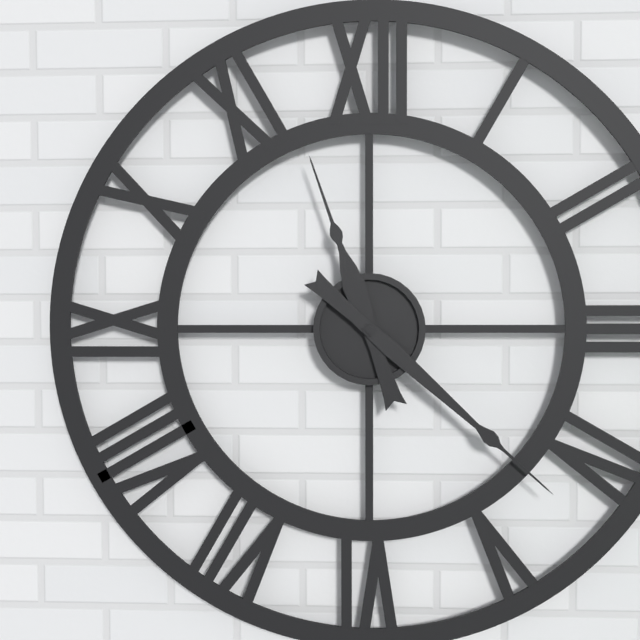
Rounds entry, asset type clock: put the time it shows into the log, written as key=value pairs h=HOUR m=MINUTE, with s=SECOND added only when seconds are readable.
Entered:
h=11 m=22
